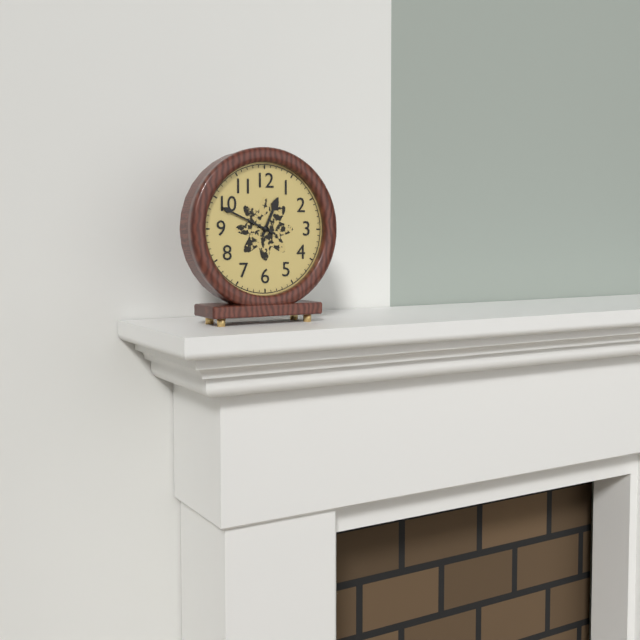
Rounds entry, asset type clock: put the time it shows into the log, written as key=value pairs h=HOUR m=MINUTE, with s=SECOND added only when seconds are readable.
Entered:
h=12 m=49
